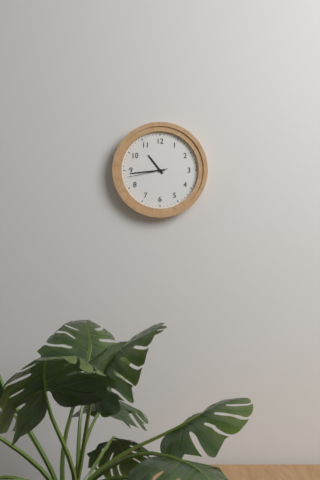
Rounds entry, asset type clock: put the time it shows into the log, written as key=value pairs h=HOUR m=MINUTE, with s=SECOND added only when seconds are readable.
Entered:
h=10 m=44
